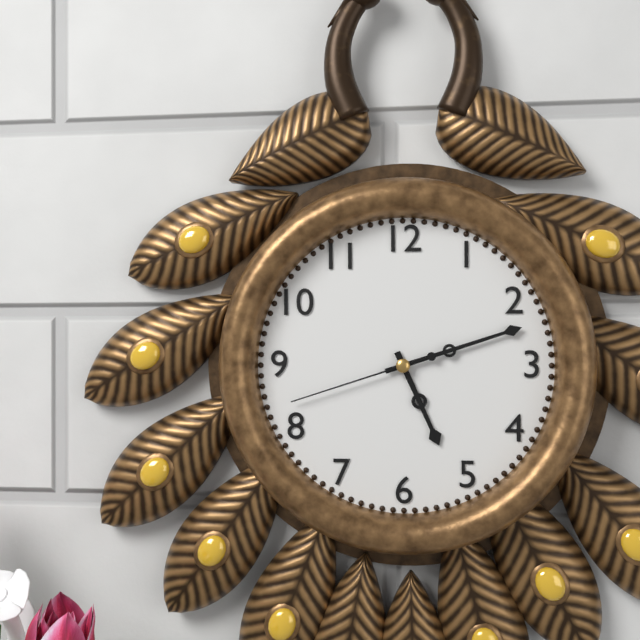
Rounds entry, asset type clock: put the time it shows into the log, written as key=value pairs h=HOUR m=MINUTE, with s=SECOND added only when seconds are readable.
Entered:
h=5 m=12 s=42
